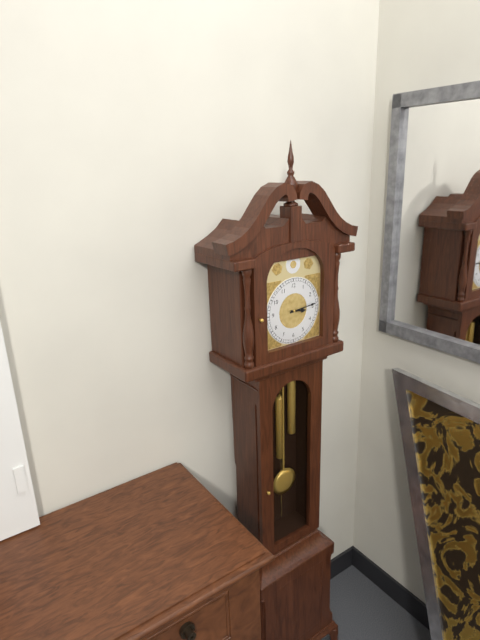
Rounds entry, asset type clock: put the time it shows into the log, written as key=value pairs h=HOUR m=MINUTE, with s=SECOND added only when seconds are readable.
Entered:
h=3 m=14
